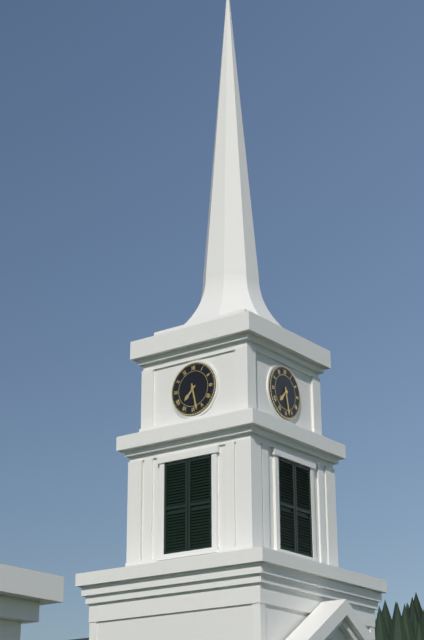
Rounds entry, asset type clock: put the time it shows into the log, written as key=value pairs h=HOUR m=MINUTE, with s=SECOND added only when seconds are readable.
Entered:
h=7 m=28
